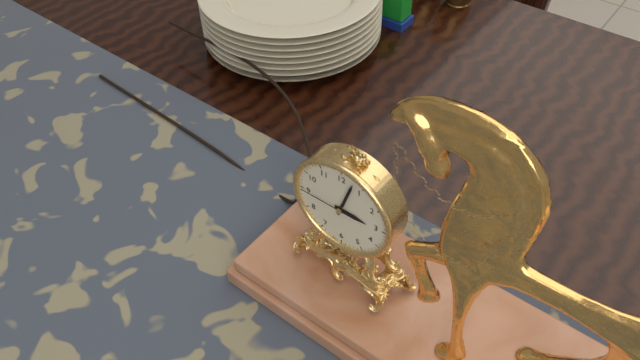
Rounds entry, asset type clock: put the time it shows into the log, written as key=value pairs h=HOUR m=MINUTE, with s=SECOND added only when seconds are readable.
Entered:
h=3 m=3 s=45
